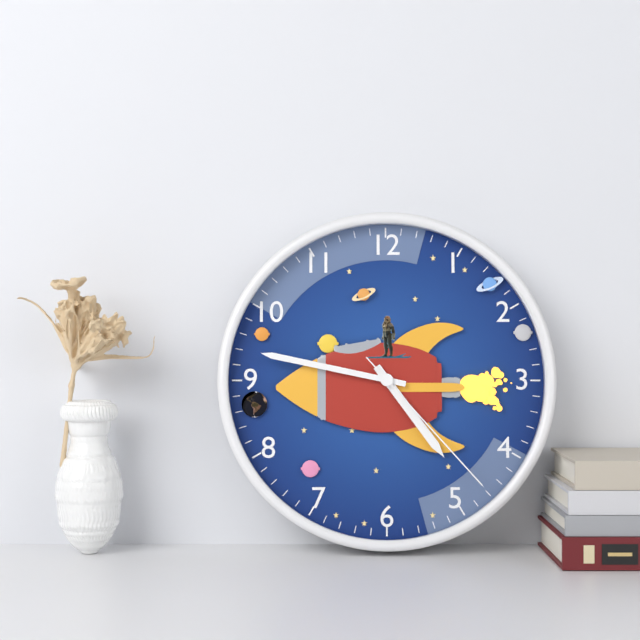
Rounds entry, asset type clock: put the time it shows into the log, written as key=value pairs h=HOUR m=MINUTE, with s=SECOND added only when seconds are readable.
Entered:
h=4 m=47 s=23
